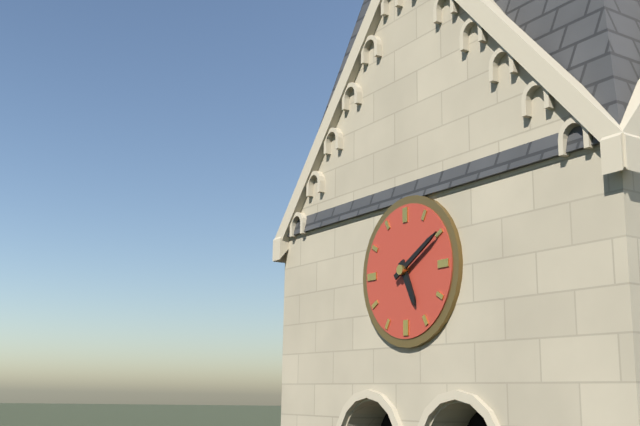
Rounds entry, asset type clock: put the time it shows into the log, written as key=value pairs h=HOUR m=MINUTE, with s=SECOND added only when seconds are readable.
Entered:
h=5 m=10
